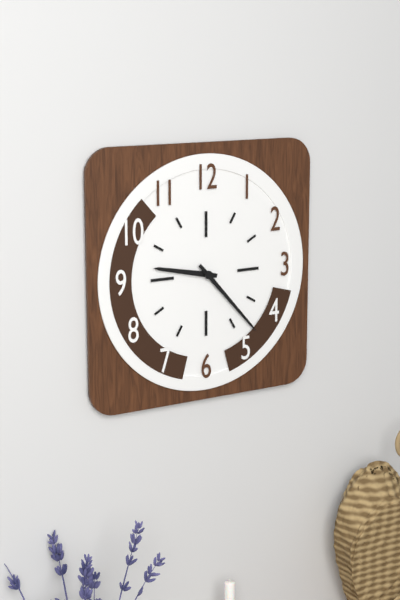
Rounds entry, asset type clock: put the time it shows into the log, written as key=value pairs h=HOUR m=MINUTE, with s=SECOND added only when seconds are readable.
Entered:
h=9 m=23
